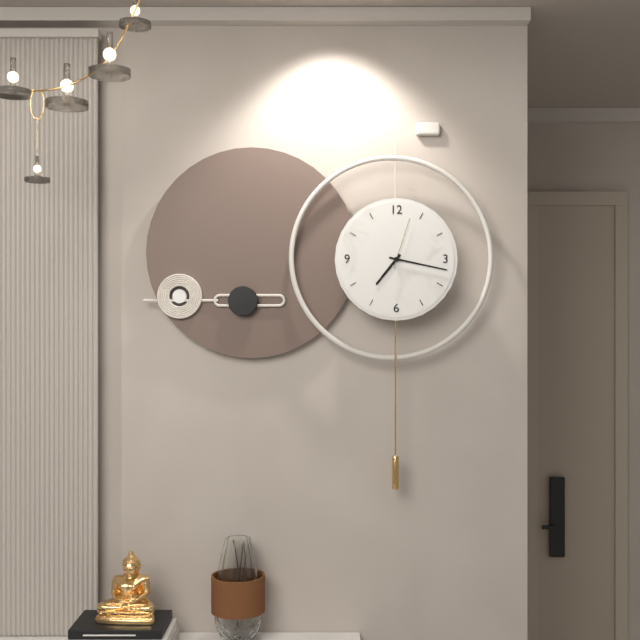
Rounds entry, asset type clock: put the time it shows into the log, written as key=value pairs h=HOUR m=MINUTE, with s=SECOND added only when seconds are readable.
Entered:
h=7 m=17 s=3
